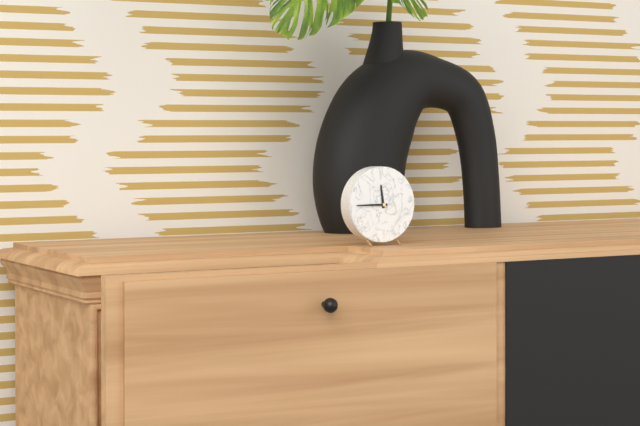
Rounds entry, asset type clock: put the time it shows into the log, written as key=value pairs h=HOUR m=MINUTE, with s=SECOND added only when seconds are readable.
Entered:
h=11 m=45
